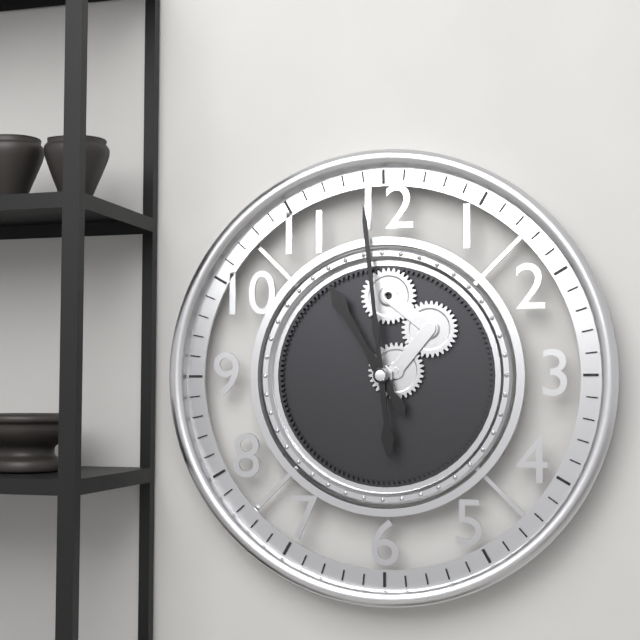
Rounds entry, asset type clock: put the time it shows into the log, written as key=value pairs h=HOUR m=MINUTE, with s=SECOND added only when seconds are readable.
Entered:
h=10 m=59
